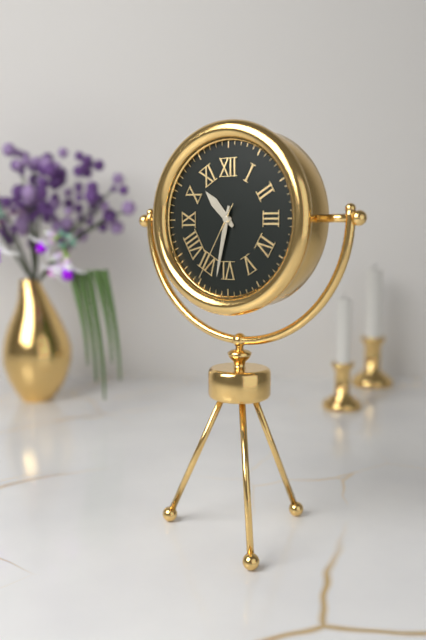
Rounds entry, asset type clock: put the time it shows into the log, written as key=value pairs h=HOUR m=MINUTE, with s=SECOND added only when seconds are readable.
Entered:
h=10 m=32 s=35
